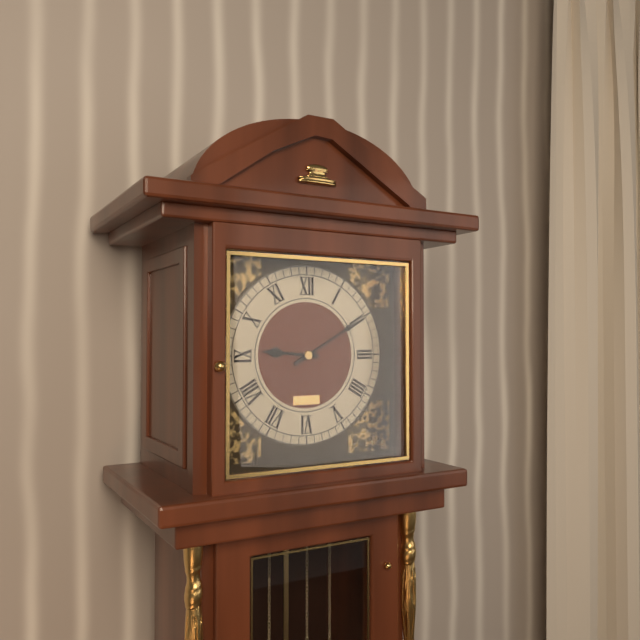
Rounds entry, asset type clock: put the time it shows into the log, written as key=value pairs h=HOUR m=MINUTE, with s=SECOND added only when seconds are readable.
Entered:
h=9 m=10
